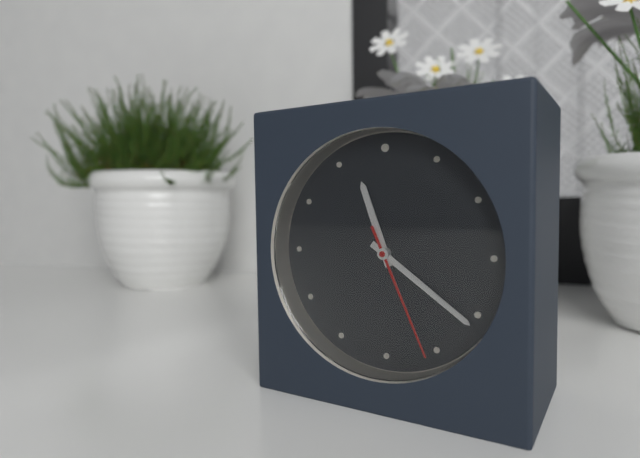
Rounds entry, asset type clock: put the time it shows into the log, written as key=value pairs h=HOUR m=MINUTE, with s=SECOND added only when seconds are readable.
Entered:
h=11 m=21 s=26
